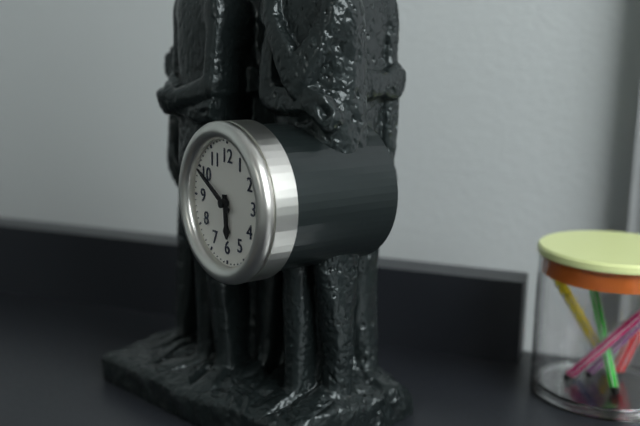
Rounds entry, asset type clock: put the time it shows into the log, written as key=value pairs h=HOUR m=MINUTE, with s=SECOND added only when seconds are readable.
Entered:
h=5 m=50
